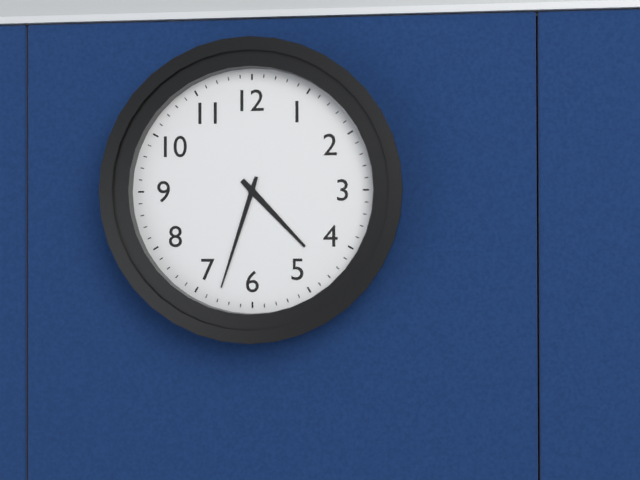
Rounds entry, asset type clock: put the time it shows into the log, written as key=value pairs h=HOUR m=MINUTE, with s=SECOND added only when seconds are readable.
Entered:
h=4 m=33
